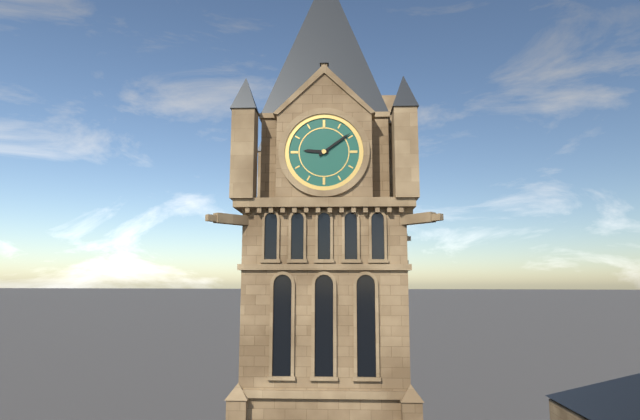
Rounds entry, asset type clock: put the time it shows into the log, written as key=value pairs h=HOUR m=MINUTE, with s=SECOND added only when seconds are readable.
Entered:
h=9 m=9
